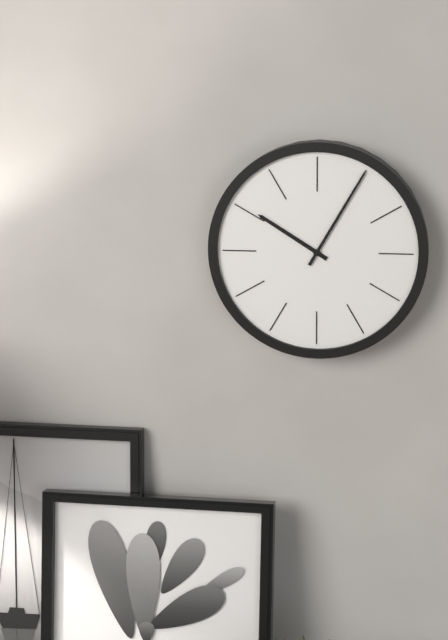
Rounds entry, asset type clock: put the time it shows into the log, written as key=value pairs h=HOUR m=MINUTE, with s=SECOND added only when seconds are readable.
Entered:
h=10 m=5
